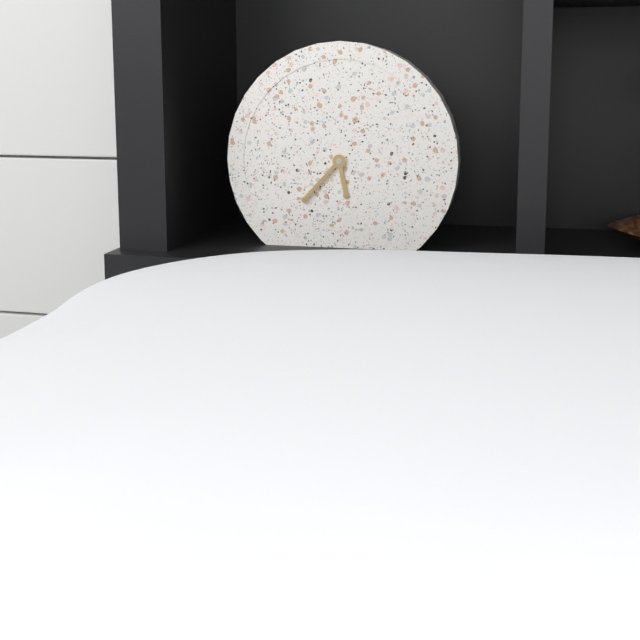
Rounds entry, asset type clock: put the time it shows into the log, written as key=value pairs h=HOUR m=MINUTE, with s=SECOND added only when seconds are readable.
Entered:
h=5 m=37
